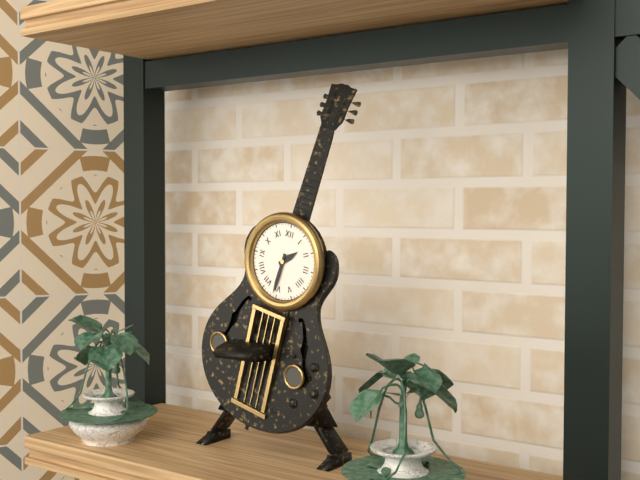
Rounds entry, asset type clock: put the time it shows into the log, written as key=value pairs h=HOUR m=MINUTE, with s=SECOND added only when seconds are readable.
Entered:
h=1 m=31
